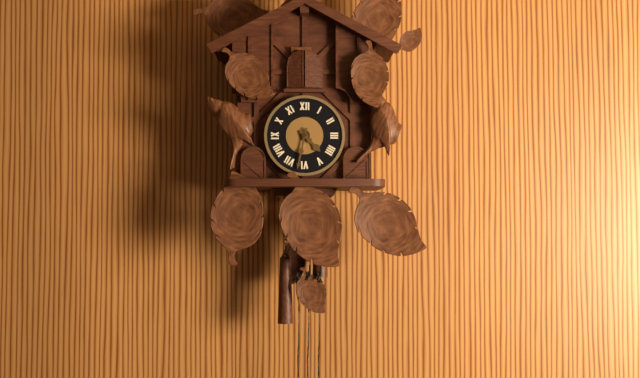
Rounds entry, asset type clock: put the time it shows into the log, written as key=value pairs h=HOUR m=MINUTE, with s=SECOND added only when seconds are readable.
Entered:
h=4 m=32
